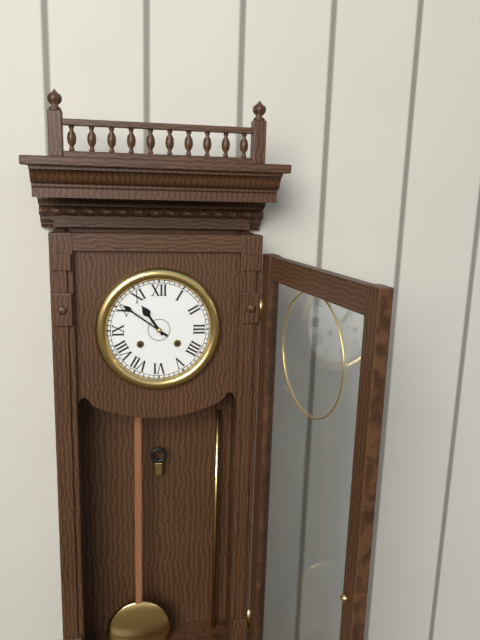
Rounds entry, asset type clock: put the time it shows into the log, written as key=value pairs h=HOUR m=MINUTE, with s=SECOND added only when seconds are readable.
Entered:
h=10 m=51
